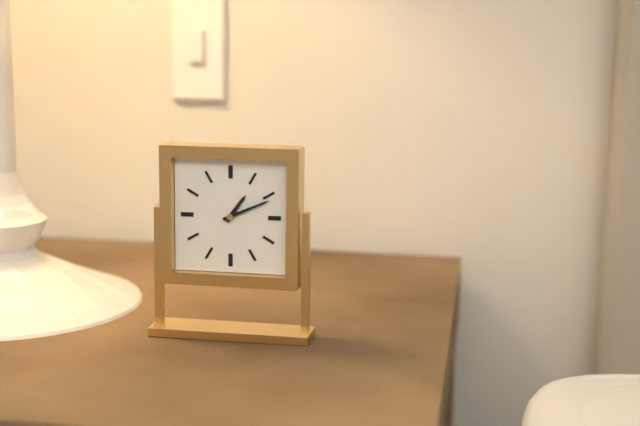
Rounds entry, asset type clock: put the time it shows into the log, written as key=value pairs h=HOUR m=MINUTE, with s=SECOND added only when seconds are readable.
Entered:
h=1 m=11
